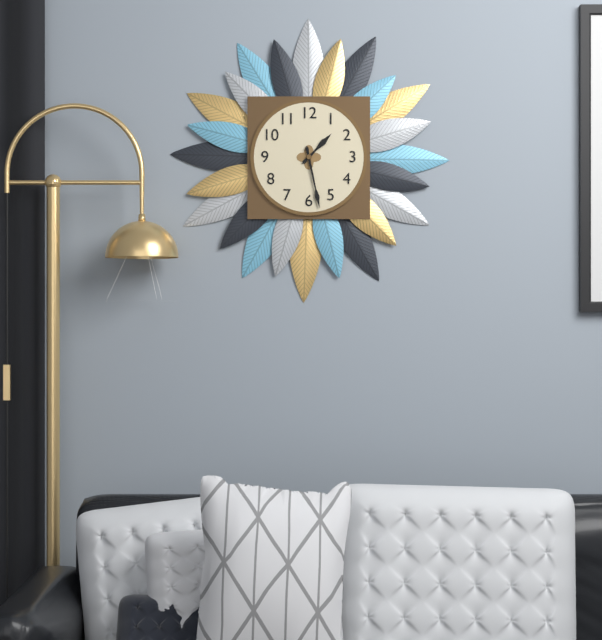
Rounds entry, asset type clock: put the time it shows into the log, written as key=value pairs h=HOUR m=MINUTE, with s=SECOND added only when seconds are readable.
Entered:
h=1 m=28
